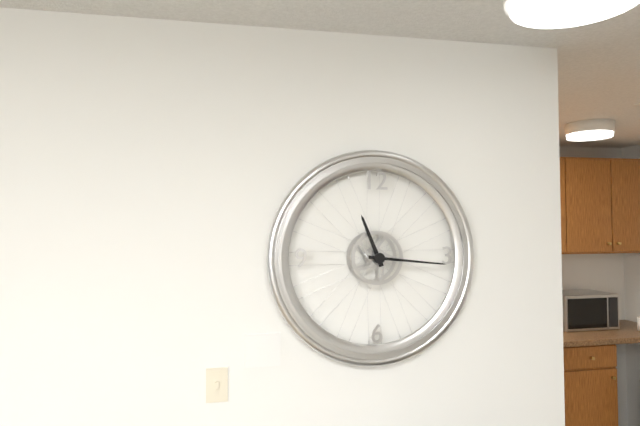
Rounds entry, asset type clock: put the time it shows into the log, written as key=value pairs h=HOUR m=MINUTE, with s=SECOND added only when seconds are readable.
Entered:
h=11 m=16
